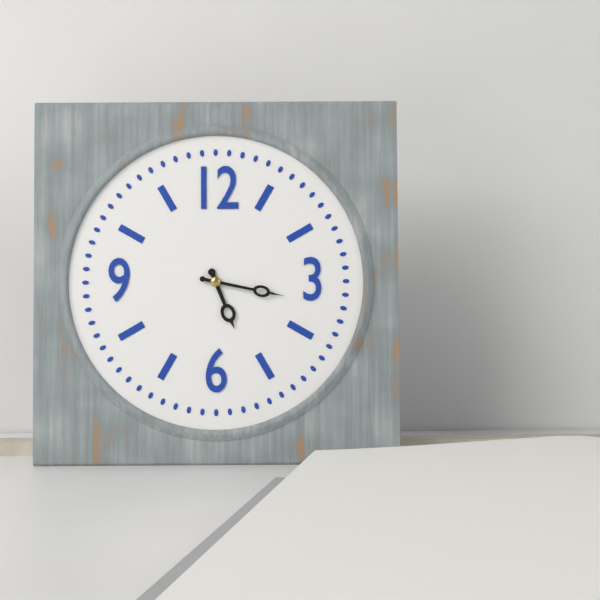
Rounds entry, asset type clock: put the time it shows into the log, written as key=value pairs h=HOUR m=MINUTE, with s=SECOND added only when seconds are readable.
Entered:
h=5 m=17
